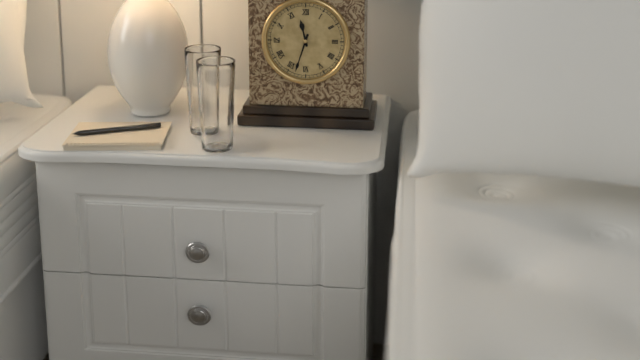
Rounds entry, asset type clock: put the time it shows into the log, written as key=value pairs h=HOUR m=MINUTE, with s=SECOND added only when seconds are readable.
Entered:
h=11 m=33
